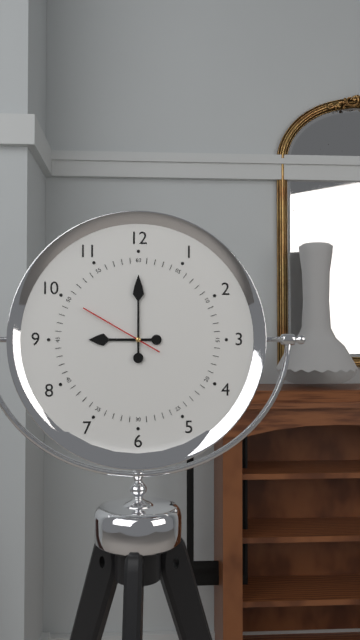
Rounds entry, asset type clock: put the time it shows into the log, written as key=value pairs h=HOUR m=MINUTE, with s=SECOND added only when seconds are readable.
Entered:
h=9 m=0 s=50
